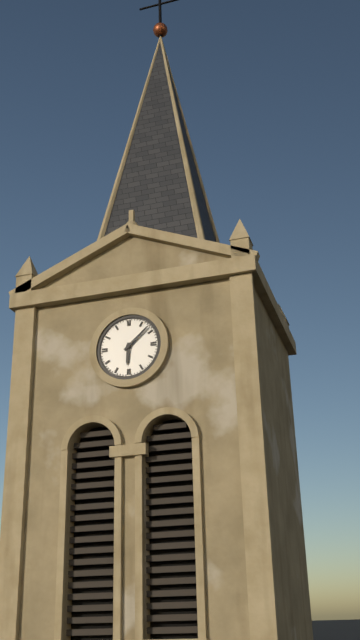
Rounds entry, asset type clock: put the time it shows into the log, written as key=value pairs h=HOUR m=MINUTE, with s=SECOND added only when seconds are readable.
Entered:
h=6 m=8
